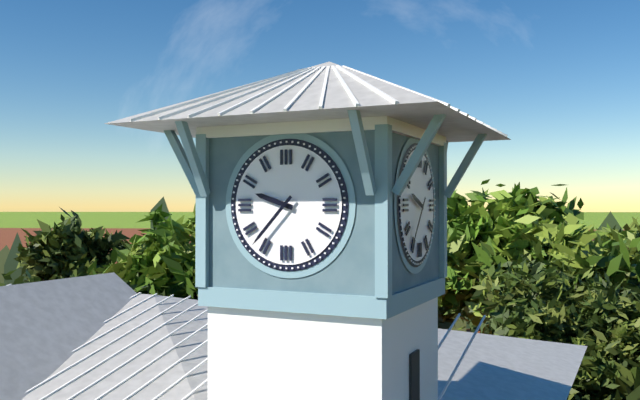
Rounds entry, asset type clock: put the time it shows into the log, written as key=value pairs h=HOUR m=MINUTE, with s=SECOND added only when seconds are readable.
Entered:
h=9 m=37
